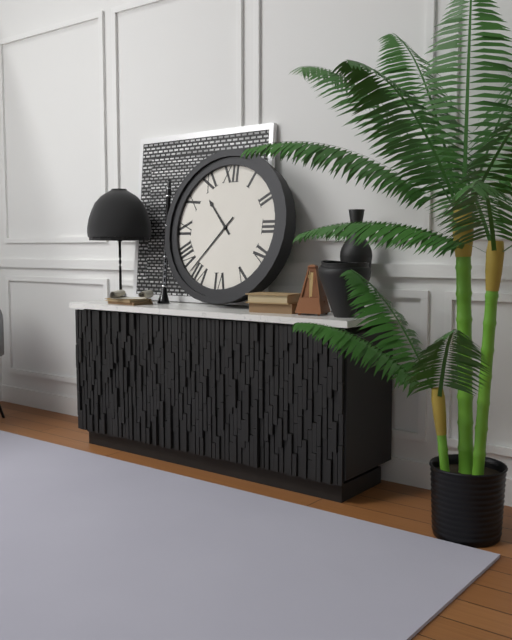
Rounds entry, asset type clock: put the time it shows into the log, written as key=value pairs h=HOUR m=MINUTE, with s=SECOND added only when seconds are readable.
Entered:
h=10 m=37
